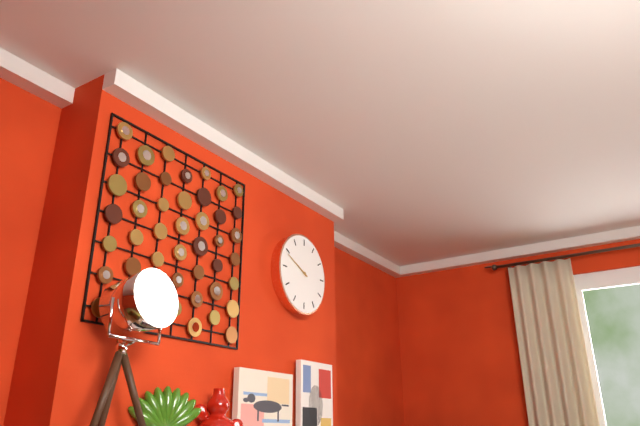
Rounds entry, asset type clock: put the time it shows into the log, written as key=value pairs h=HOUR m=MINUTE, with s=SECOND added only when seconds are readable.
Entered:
h=9 m=49
